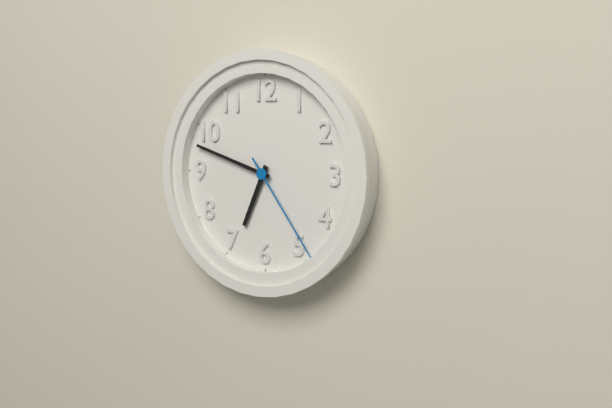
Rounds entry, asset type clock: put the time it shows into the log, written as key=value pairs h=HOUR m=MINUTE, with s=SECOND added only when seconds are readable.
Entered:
h=6 m=48 s=24
